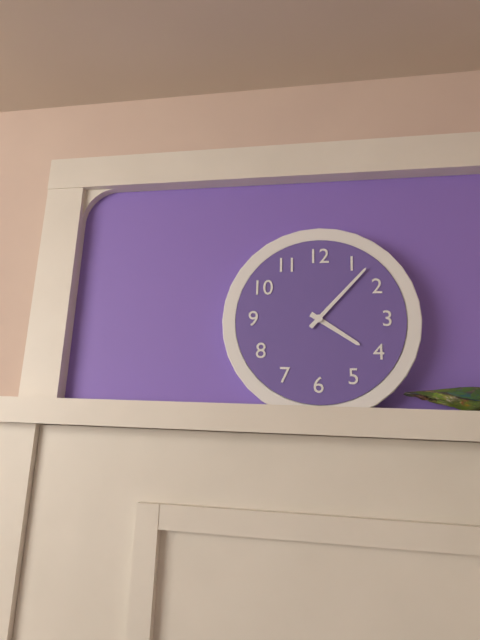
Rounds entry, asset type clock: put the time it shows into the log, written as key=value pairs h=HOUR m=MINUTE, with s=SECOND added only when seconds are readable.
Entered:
h=4 m=7
